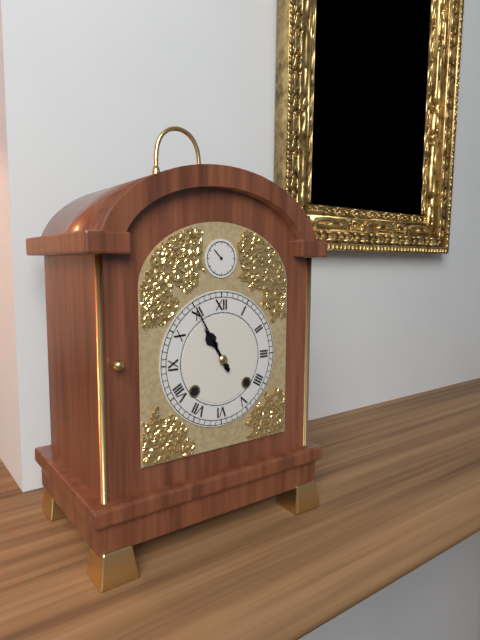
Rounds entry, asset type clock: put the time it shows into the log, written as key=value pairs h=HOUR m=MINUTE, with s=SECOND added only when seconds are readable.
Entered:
h=10 m=55
